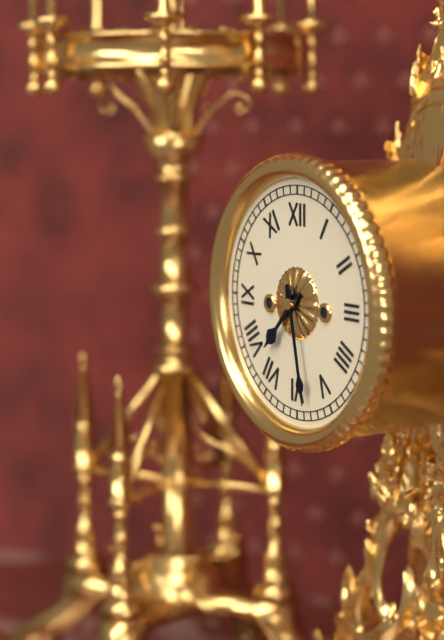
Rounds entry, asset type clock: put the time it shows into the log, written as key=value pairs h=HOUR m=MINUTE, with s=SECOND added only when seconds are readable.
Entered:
h=7 m=28
